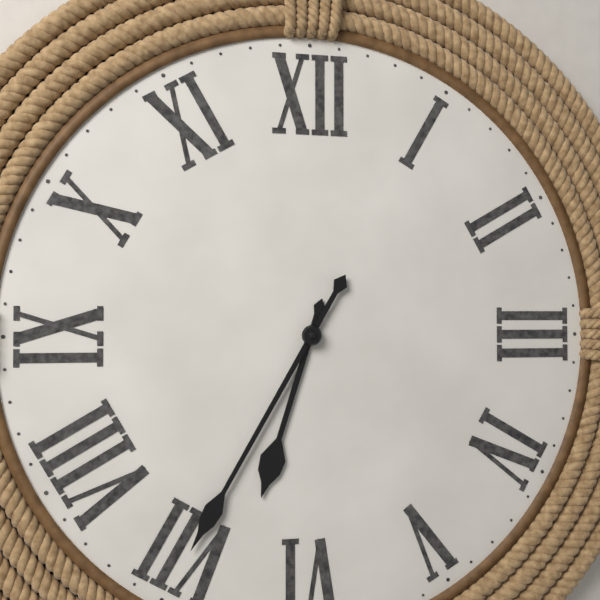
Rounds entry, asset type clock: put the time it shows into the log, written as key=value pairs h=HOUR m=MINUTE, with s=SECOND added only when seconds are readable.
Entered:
h=6 m=35
